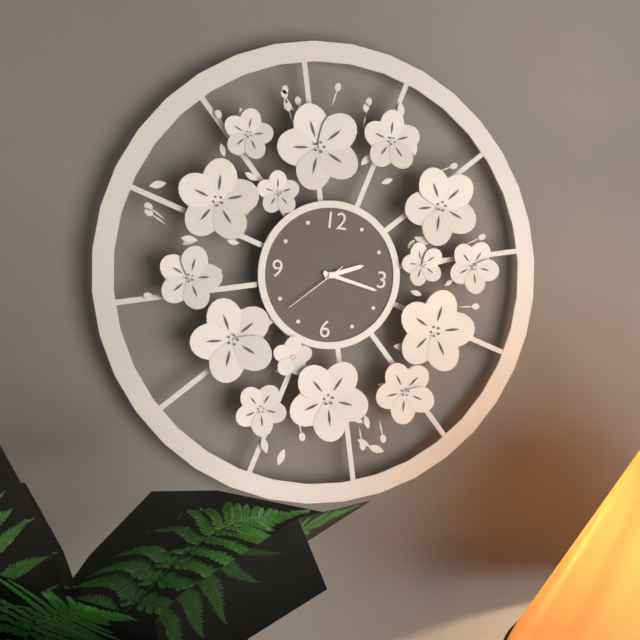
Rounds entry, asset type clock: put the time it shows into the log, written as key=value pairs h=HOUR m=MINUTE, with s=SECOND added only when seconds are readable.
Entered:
h=2 m=17 s=38
